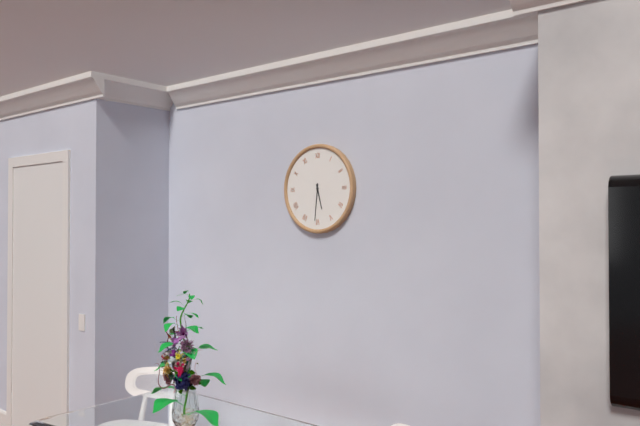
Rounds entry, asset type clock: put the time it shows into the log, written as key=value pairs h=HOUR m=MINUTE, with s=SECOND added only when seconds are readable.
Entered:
h=5 m=31
